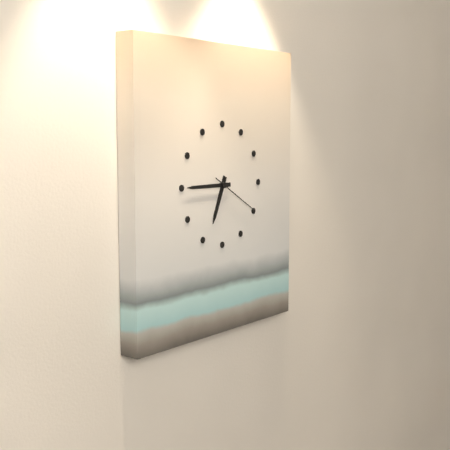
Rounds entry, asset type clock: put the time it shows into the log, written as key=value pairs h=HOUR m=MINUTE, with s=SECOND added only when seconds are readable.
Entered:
h=6 m=45
